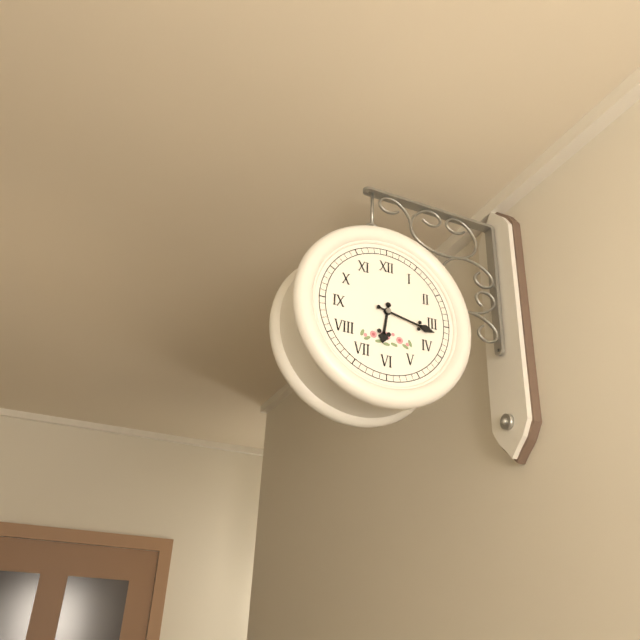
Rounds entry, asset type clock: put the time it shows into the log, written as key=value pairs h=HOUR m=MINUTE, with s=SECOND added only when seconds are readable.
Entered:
h=6 m=17
